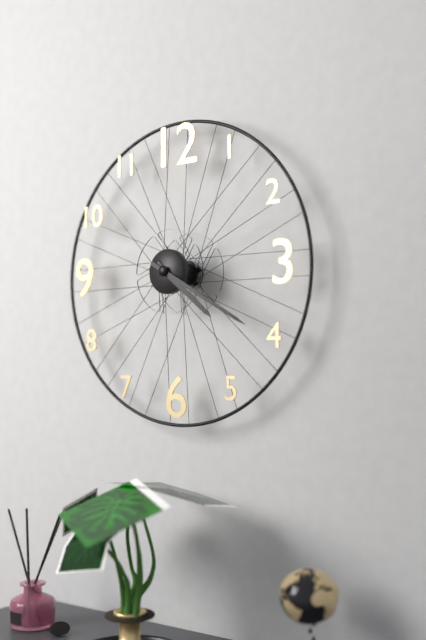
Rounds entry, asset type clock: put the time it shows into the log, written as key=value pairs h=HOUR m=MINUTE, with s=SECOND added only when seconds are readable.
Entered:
h=4 m=20
